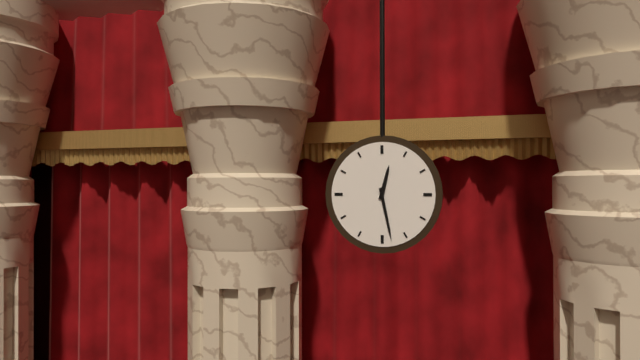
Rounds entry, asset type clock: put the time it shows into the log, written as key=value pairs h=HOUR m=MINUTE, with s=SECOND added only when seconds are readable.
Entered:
h=12 m=28
